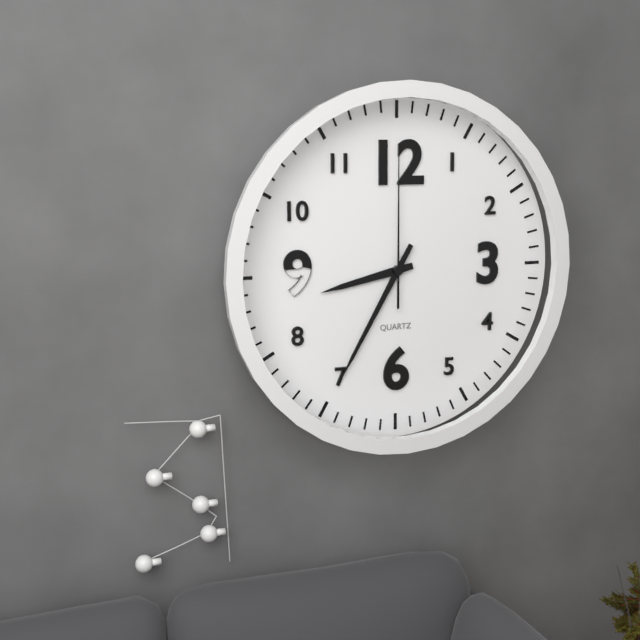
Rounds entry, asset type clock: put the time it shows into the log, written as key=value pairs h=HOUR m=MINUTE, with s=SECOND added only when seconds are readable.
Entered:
h=8 m=35 s=0
